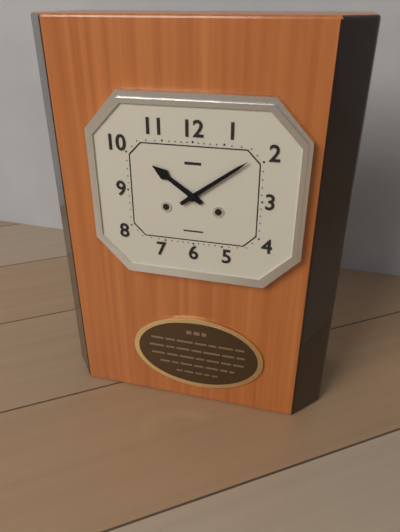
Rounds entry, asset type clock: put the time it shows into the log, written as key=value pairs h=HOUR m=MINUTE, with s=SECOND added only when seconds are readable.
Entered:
h=10 m=9
